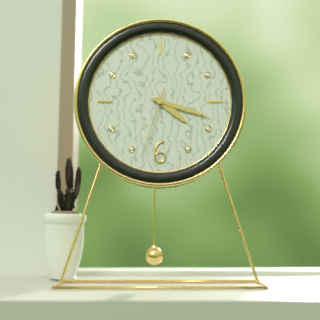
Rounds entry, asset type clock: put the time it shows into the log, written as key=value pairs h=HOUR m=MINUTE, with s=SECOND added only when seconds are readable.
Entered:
h=4 m=18 s=33
